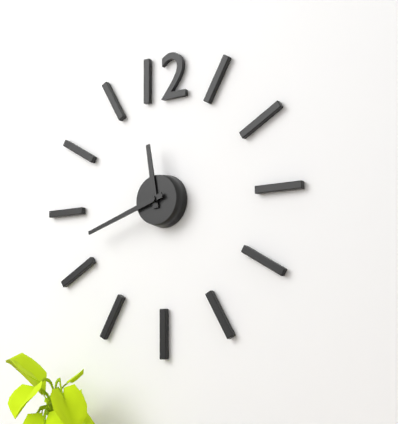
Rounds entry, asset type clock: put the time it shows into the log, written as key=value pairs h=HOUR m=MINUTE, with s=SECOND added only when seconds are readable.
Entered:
h=11 m=42
